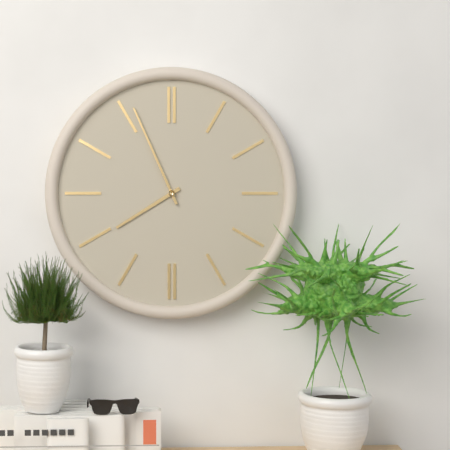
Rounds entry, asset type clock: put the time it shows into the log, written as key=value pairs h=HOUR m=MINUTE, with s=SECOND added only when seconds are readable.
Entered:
h=7 m=56
